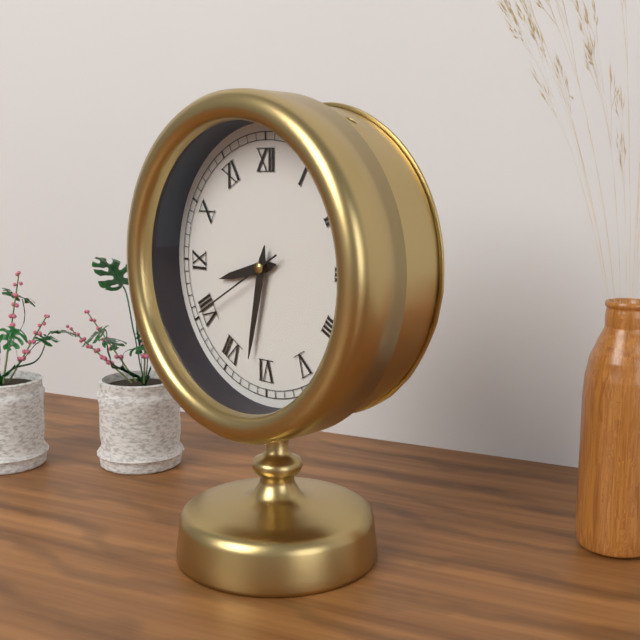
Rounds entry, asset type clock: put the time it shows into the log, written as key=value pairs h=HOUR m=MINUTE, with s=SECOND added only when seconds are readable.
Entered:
h=8 m=32 s=40
